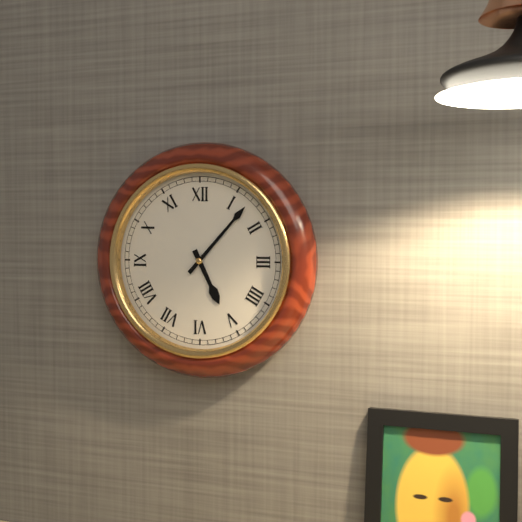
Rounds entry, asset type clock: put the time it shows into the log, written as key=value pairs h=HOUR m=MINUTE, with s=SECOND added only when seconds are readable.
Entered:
h=5 m=7
